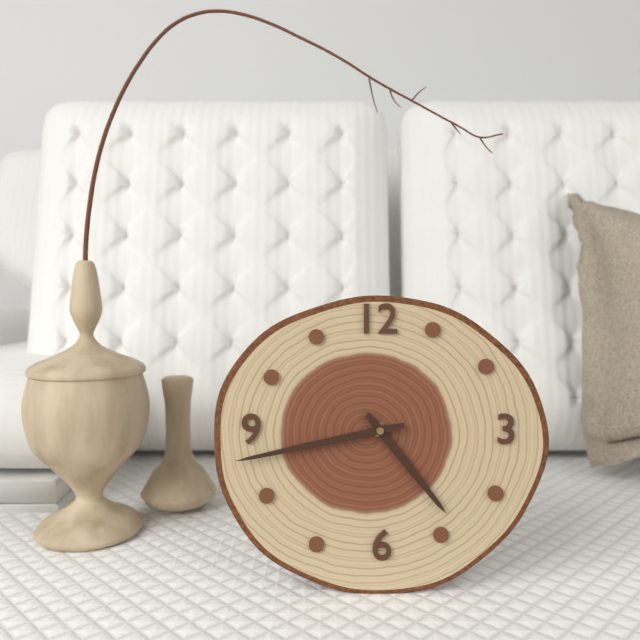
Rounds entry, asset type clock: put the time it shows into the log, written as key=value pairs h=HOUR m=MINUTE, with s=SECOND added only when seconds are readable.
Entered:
h=4 m=43
